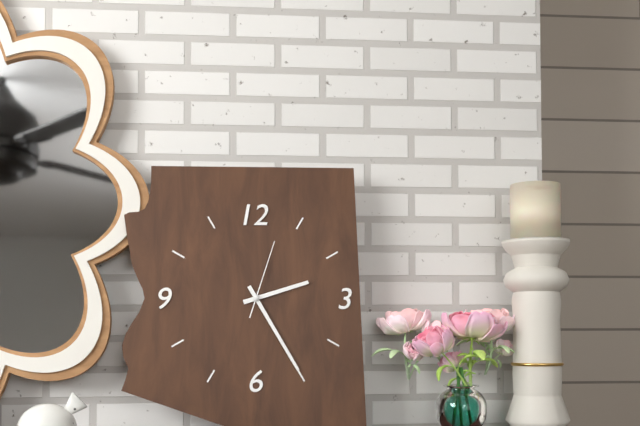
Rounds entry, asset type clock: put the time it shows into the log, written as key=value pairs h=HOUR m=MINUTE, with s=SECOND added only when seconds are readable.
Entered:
h=2 m=25 s=3
